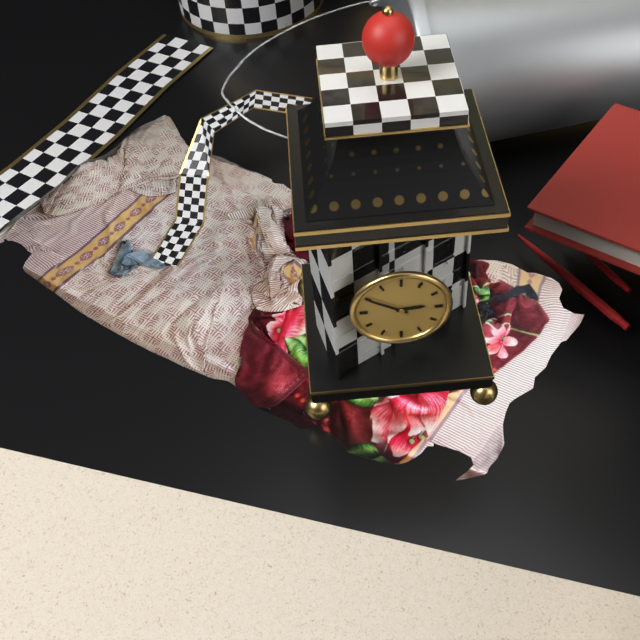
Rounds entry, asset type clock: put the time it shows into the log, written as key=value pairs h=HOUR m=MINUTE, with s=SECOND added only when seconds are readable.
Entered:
h=2 m=50
